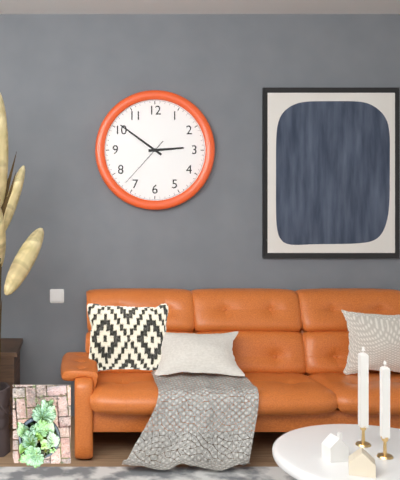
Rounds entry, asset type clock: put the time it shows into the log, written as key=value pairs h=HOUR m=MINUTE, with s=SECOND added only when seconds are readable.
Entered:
h=2 m=51 s=37
